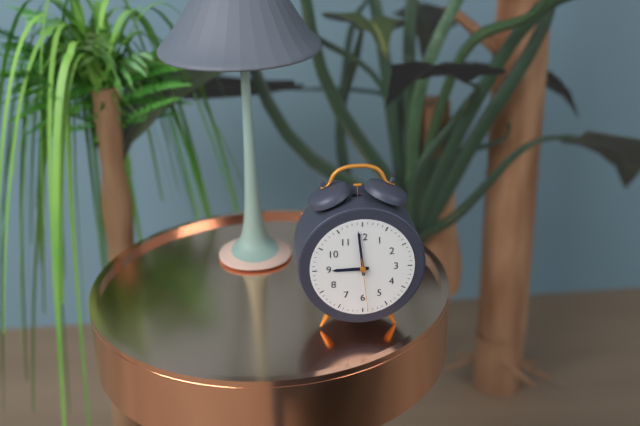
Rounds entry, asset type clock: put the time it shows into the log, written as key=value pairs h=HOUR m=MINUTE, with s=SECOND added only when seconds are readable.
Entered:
h=8 m=59 s=29
